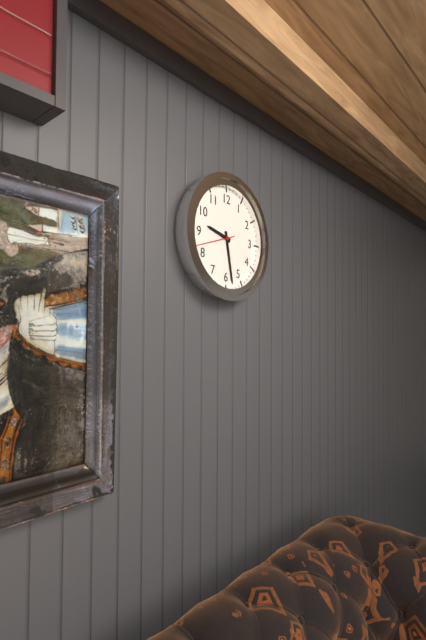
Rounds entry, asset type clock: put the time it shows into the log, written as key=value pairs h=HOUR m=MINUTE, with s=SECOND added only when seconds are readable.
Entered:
h=9 m=28
